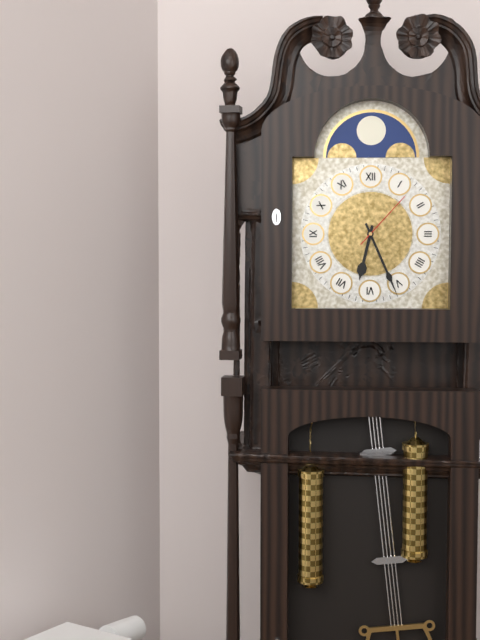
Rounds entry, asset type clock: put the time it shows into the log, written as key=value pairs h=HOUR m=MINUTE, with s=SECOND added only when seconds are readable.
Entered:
h=6 m=26 s=7
